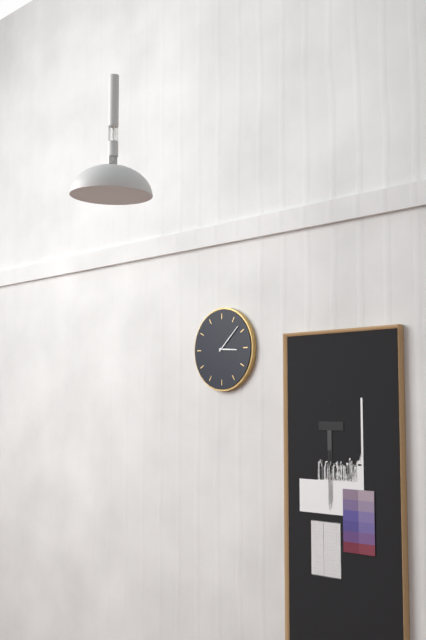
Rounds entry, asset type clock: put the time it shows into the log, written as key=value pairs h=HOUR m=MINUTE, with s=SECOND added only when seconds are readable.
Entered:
h=3 m=8
